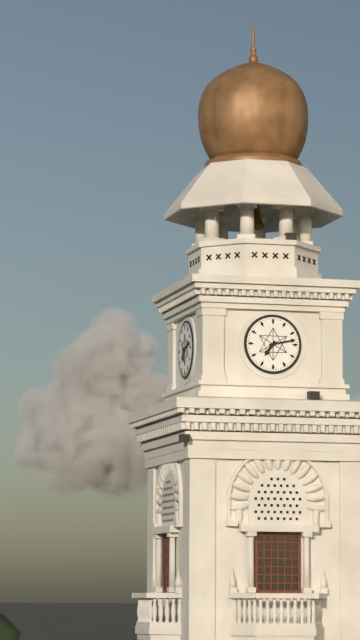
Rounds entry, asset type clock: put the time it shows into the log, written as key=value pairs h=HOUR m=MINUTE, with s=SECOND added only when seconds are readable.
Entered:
h=7 m=13
